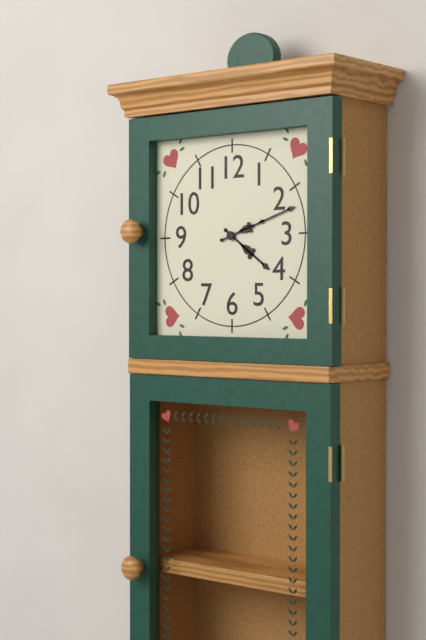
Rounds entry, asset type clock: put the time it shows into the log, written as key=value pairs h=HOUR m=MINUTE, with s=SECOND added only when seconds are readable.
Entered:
h=4 m=12
